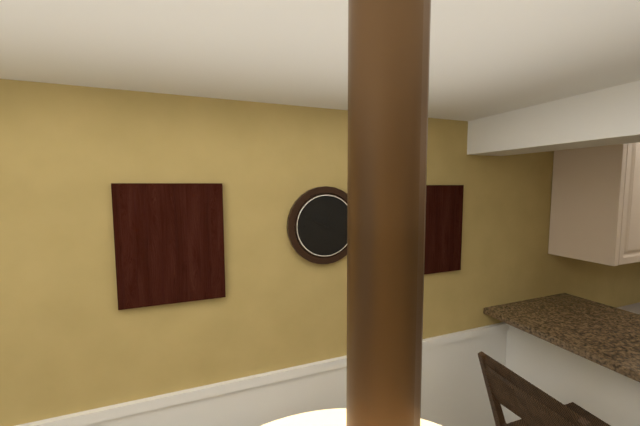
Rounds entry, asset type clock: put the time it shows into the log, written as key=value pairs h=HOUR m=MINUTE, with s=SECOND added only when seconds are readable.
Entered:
h=12 m=49
